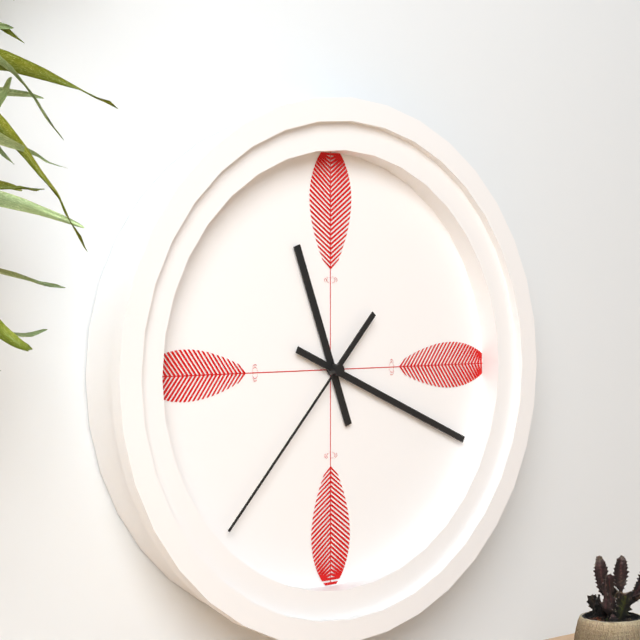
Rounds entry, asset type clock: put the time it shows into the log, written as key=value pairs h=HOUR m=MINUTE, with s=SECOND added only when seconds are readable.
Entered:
h=11 m=19 s=37
